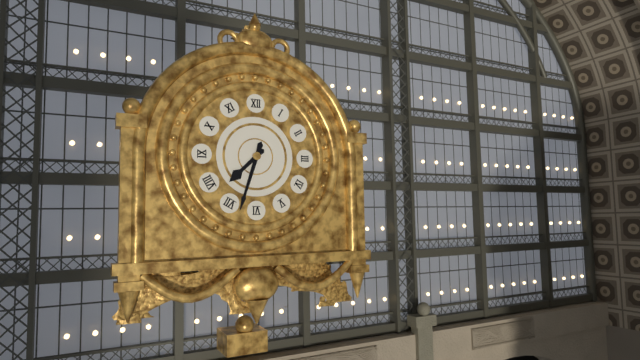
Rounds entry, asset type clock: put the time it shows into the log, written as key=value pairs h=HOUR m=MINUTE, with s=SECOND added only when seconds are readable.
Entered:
h=7 m=33
